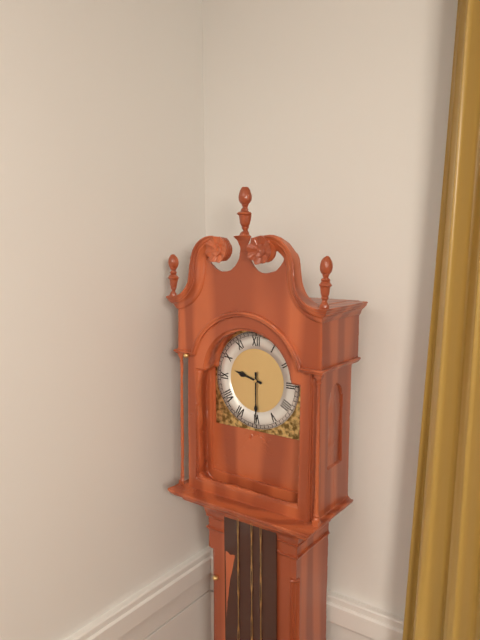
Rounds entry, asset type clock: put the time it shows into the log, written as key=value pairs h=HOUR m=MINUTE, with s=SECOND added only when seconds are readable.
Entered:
h=9 m=30
